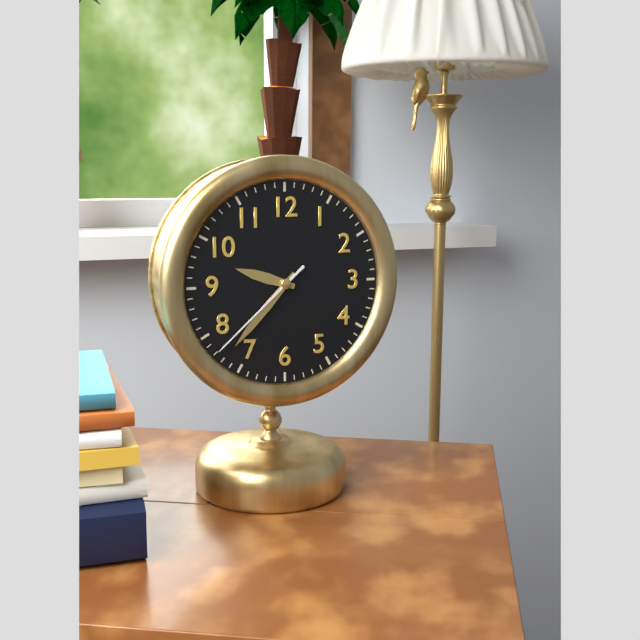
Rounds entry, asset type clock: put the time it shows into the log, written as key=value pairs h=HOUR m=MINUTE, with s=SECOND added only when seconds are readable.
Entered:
h=9 m=37 s=38
